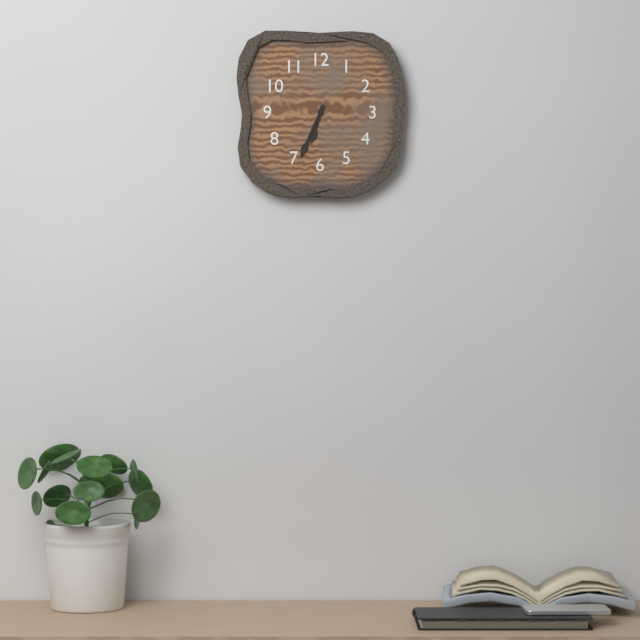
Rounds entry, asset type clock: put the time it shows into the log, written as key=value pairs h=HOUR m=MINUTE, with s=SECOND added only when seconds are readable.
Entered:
h=6 m=34
